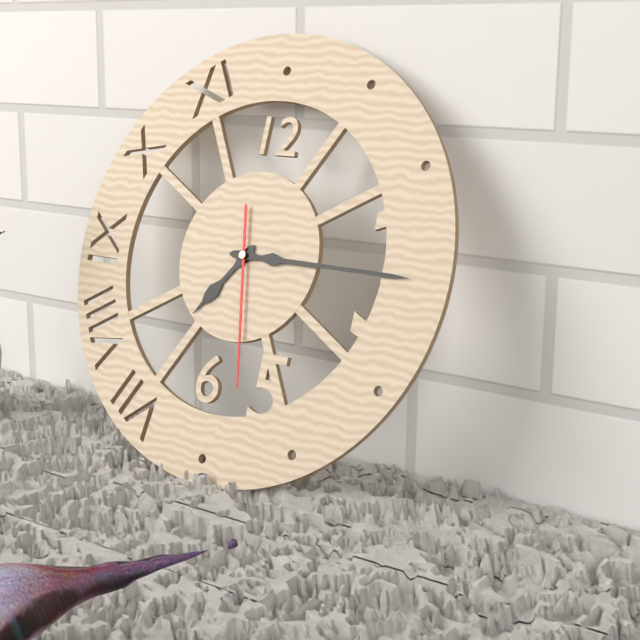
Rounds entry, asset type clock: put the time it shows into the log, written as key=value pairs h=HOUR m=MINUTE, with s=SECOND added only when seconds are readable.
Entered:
h=7 m=15 s=28
